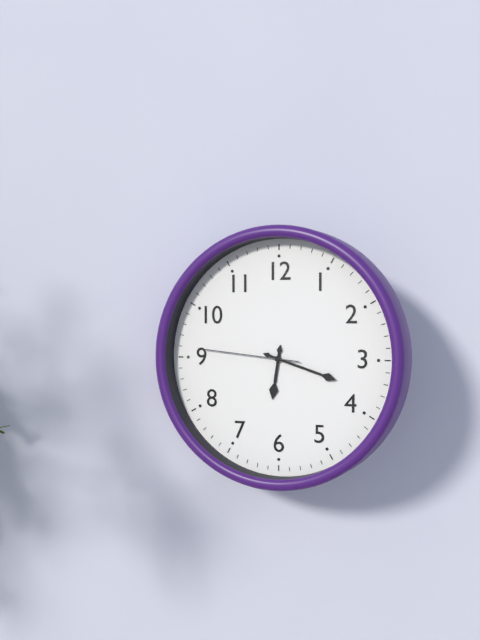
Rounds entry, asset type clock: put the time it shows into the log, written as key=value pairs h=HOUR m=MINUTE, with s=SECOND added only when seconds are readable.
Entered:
h=6 m=18 s=46
